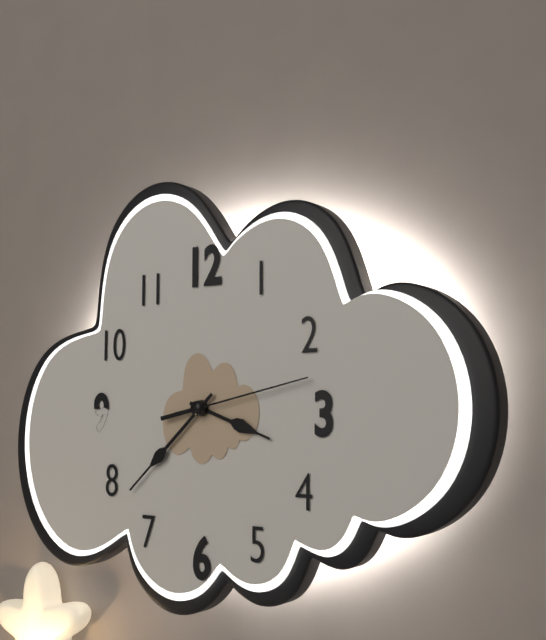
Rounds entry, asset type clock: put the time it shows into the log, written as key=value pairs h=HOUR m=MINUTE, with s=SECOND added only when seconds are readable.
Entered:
h=3 m=38 s=13
